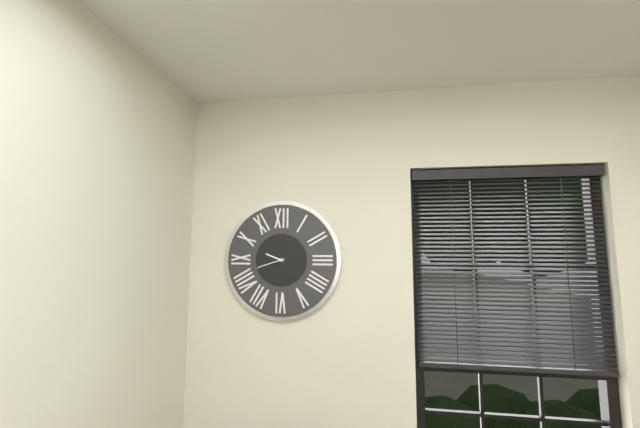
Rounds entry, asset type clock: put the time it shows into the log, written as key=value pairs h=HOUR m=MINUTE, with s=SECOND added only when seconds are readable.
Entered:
h=9 m=42
